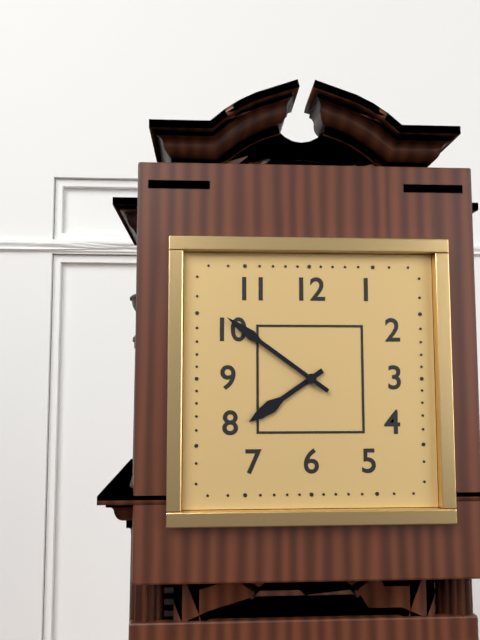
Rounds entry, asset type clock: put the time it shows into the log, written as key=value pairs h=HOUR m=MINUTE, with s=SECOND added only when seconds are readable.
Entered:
h=7 m=51
